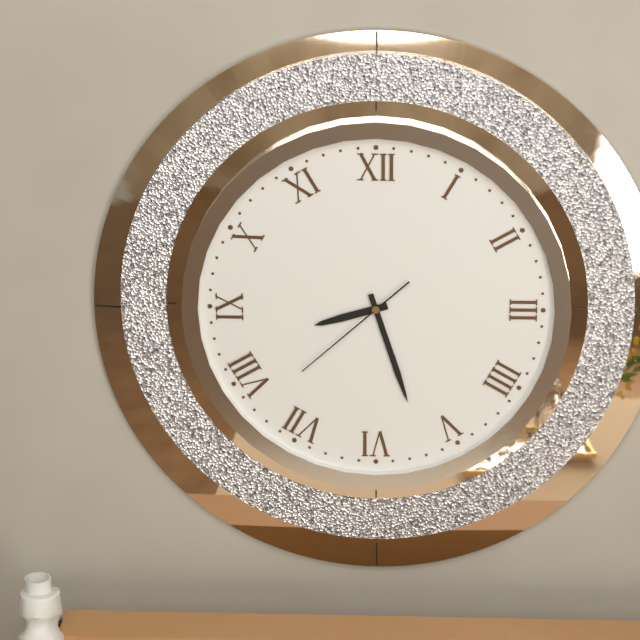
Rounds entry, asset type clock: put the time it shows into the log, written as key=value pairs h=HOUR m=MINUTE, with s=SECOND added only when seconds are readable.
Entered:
h=8 m=27 s=38
